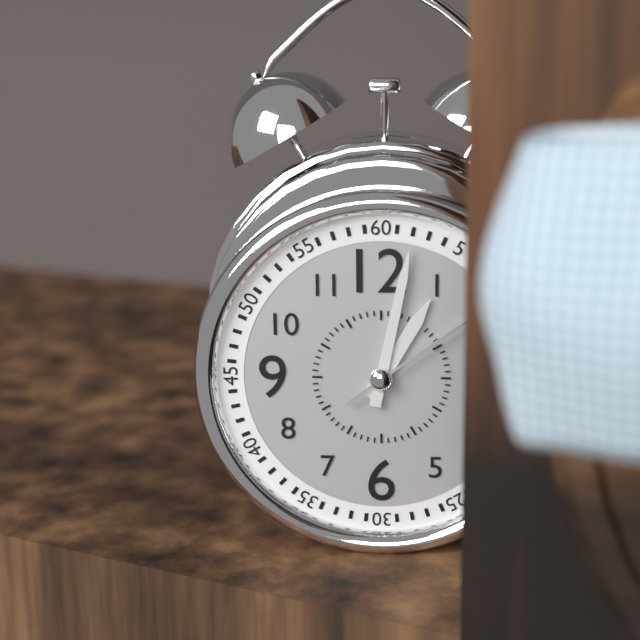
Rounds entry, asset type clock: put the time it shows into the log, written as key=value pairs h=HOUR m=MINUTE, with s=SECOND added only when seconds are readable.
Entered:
h=1 m=2 s=9
